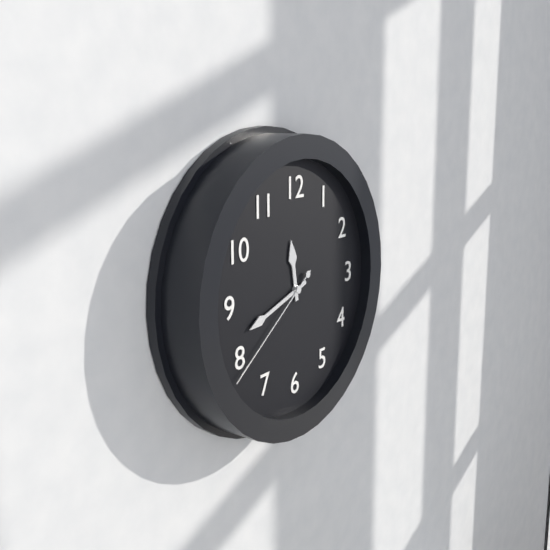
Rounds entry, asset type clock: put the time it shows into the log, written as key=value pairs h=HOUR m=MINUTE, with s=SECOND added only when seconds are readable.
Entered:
h=11 m=42 s=39
